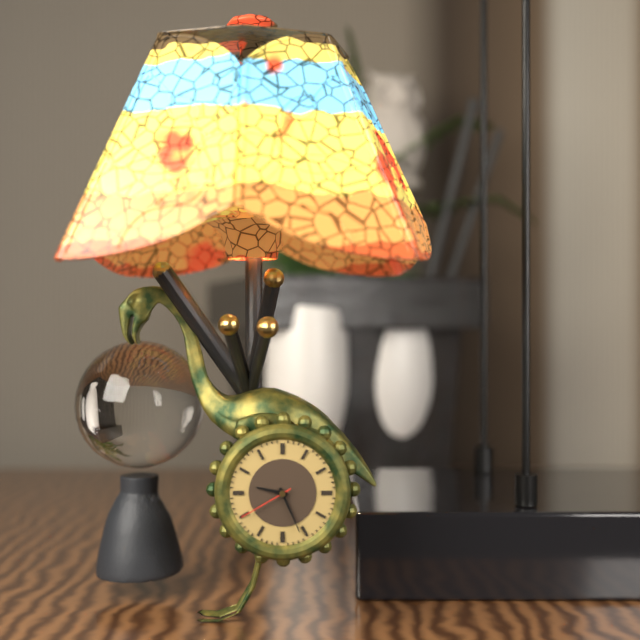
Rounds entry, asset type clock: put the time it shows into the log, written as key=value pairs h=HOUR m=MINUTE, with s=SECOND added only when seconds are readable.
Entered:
h=9 m=26 s=40
